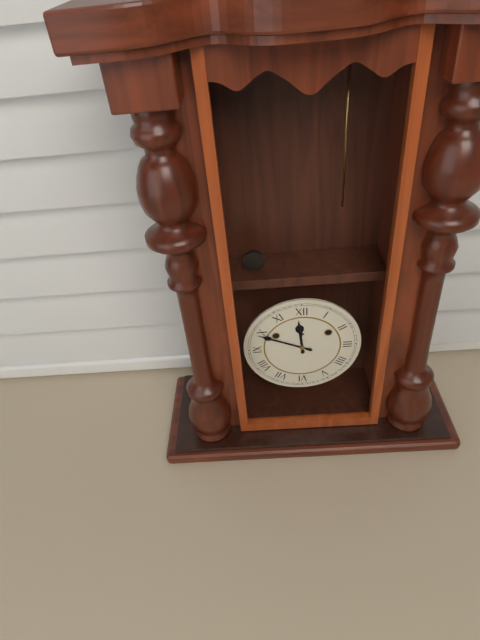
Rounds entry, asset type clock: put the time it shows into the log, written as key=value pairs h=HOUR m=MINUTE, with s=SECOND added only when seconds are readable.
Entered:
h=11 m=49
